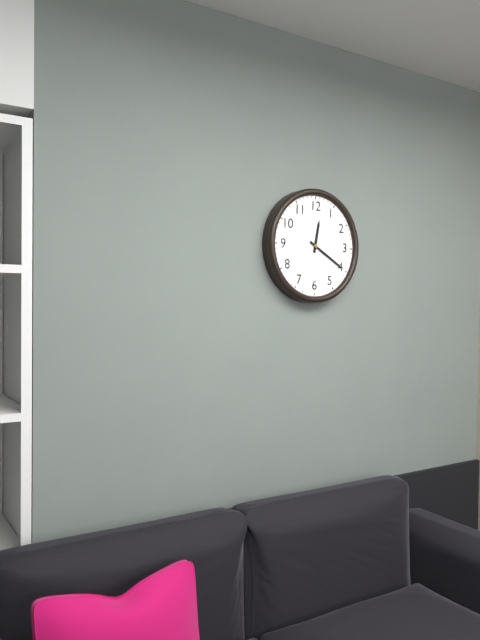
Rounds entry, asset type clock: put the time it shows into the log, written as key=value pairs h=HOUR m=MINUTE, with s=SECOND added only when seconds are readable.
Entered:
h=12 m=20
